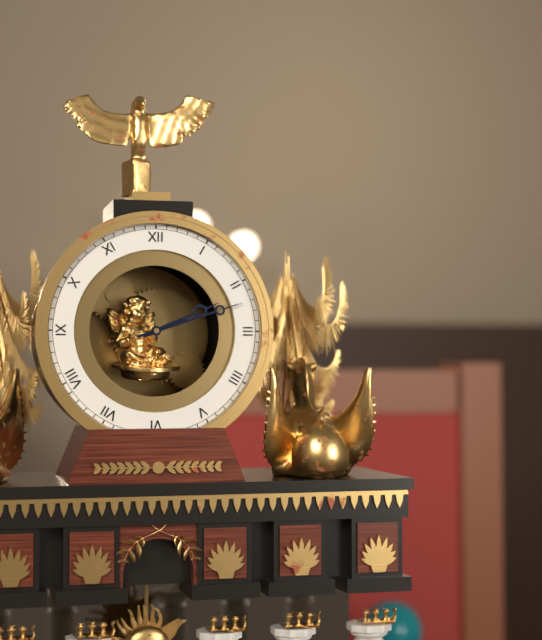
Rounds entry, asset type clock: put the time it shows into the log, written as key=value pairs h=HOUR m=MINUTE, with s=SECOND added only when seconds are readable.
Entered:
h=2 m=12
